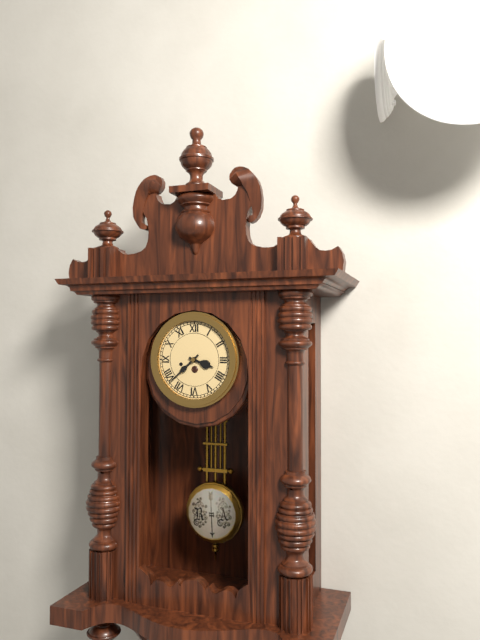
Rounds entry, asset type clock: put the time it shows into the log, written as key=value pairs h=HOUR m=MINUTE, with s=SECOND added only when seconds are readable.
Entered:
h=3 m=38
